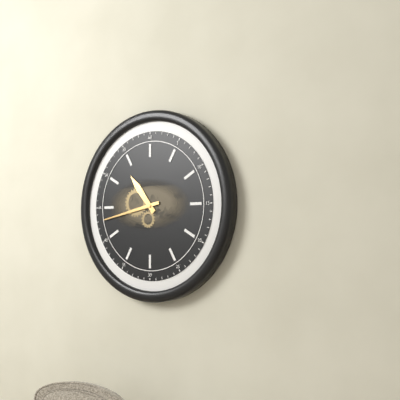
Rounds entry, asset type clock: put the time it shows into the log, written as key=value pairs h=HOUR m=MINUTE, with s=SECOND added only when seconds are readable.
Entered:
h=10 m=43
